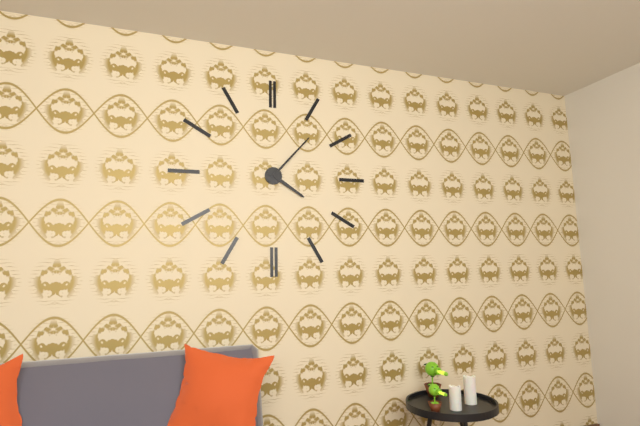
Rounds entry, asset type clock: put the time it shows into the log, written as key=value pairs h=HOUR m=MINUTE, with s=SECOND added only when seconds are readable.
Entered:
h=4 m=7
